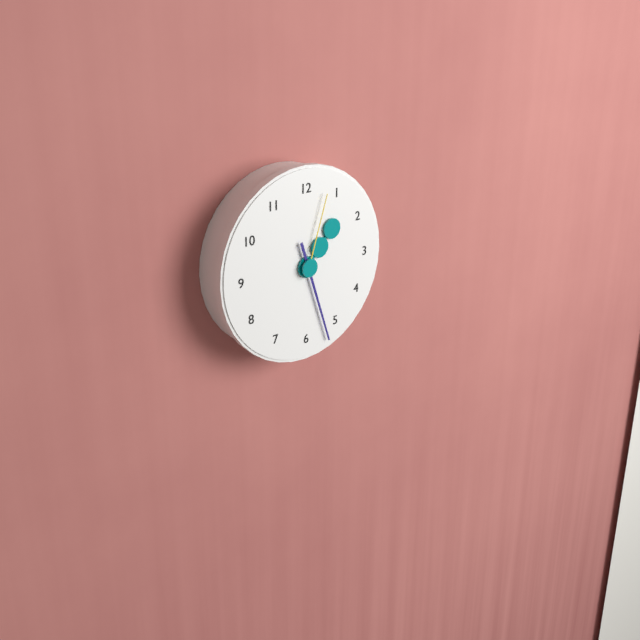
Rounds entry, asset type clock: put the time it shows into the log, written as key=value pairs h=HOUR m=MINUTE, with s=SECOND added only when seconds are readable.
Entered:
h=1 m=27 s=3
